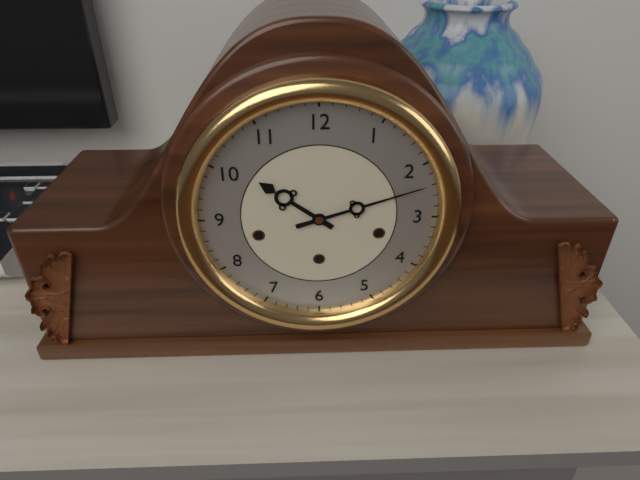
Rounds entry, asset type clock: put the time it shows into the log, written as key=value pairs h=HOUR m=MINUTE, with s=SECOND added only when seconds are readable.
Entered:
h=10 m=12
